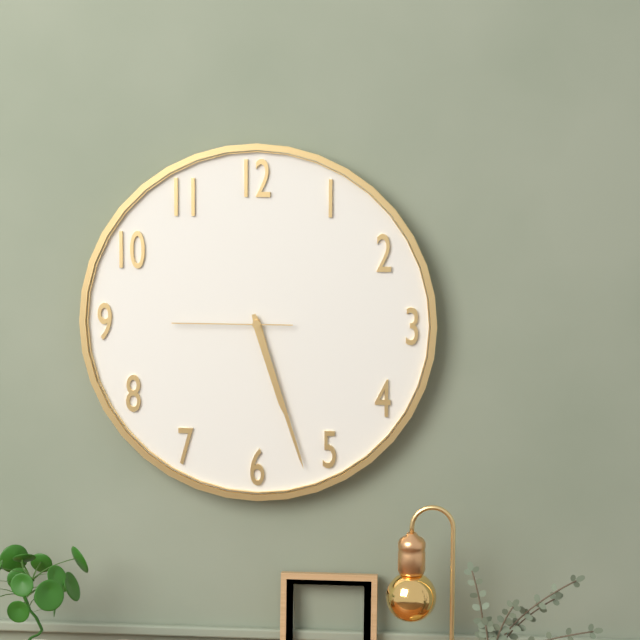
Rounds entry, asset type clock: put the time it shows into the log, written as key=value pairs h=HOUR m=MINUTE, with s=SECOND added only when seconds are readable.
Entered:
h=5 m=27 s=45
